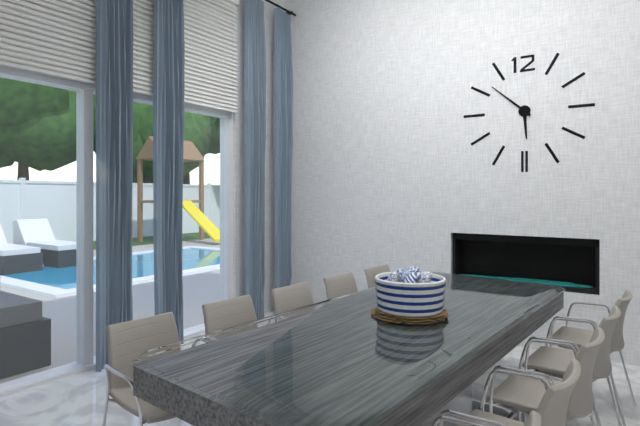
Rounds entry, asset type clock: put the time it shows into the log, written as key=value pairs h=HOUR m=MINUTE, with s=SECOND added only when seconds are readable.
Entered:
h=5 m=52
